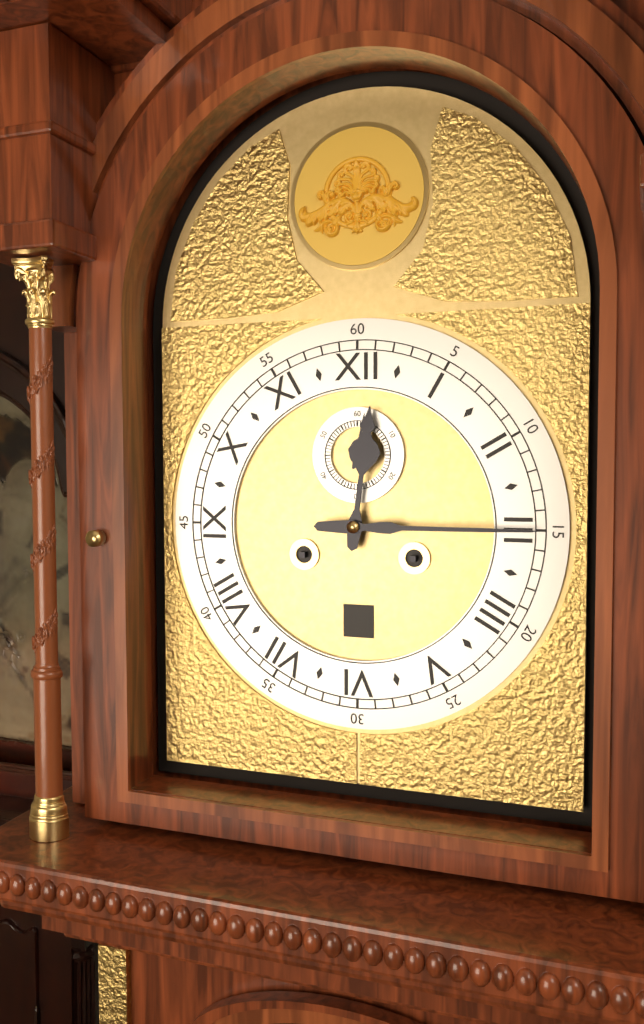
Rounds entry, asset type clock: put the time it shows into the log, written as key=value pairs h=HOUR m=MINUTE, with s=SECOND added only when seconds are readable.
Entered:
h=12 m=15 s=2
